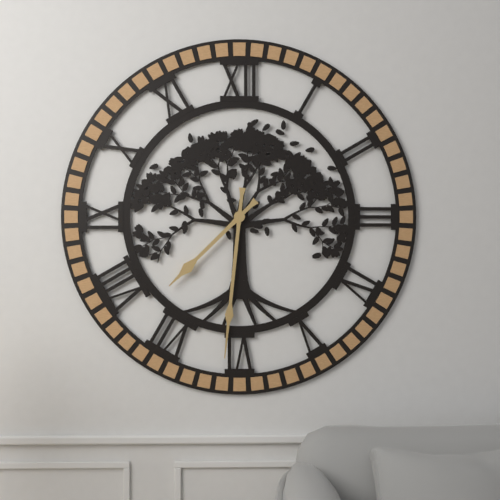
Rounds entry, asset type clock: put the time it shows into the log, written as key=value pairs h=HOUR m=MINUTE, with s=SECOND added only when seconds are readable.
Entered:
h=7 m=31
